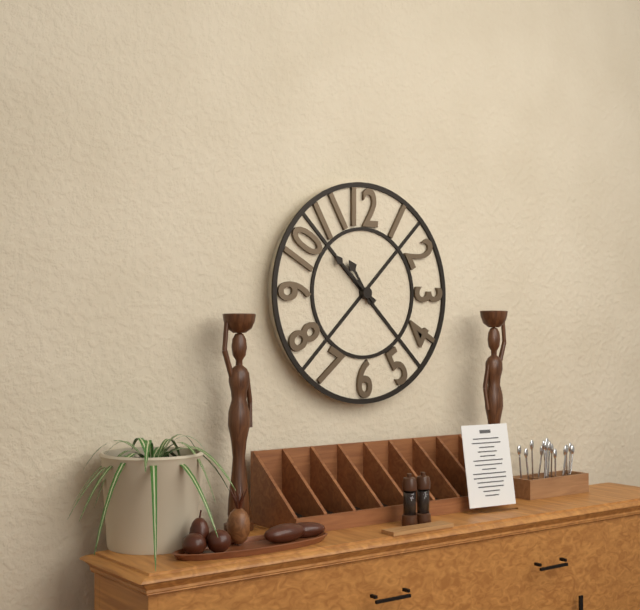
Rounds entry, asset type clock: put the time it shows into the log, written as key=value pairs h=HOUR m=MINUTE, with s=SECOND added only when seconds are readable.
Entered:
h=10 m=52
